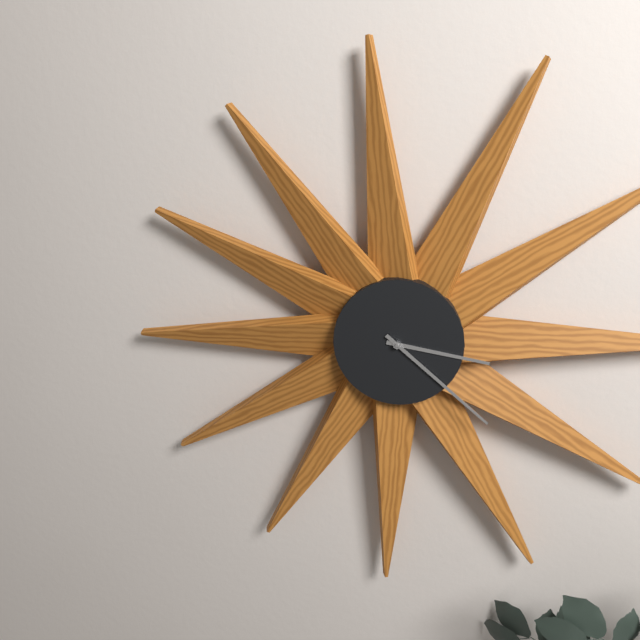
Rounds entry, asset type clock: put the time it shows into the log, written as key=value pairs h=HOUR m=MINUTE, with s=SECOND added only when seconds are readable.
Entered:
h=3 m=22
